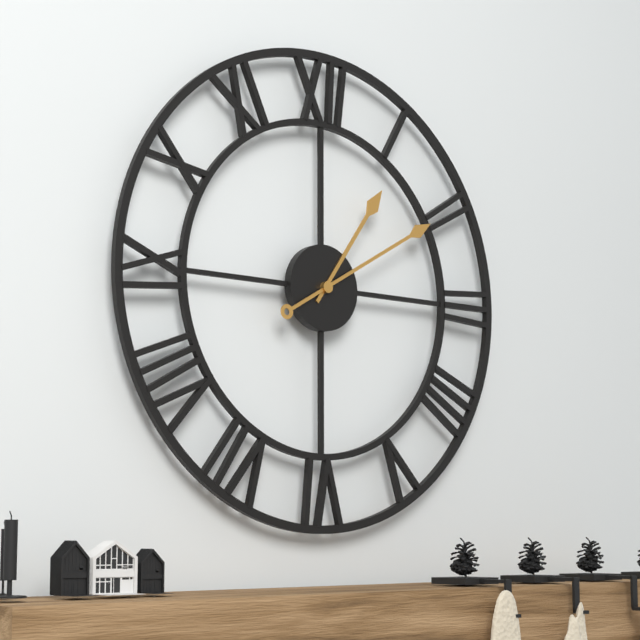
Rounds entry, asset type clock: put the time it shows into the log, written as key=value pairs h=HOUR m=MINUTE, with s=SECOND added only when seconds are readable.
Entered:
h=1 m=10
